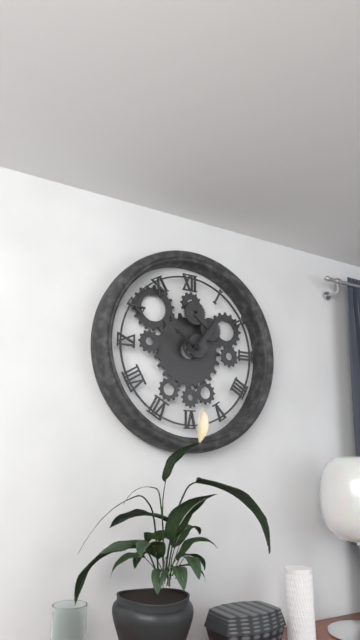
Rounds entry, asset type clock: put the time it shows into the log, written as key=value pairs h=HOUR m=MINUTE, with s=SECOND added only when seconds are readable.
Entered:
h=10 m=6
